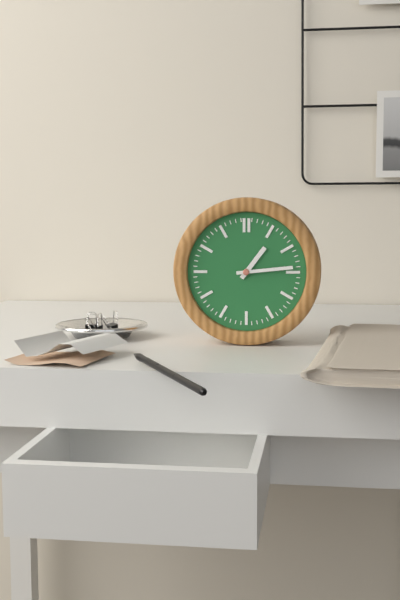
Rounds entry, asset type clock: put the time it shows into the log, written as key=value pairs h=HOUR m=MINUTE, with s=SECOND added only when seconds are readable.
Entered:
h=1 m=14
